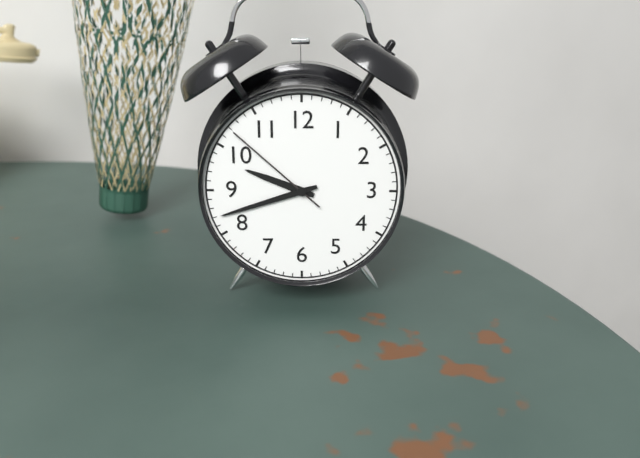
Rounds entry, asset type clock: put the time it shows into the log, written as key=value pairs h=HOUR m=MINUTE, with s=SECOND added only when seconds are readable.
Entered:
h=9 m=42 s=52
